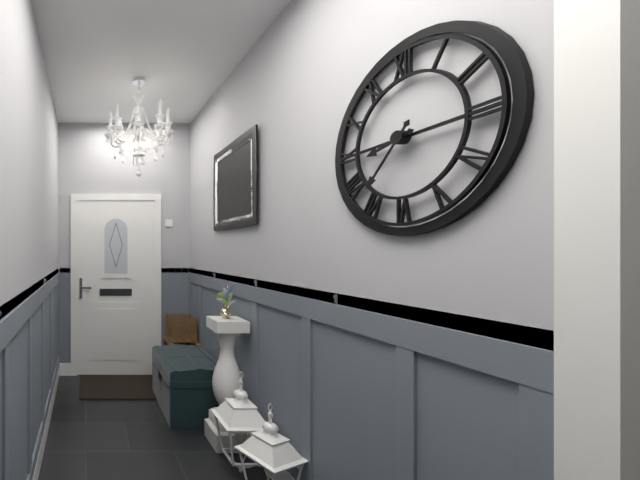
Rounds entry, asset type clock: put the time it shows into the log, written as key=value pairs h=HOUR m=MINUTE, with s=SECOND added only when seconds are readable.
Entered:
h=8 m=37
